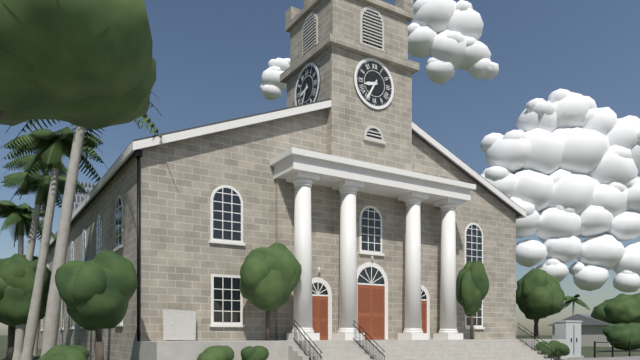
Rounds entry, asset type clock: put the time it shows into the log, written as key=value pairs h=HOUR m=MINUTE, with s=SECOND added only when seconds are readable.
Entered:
h=8 m=35
